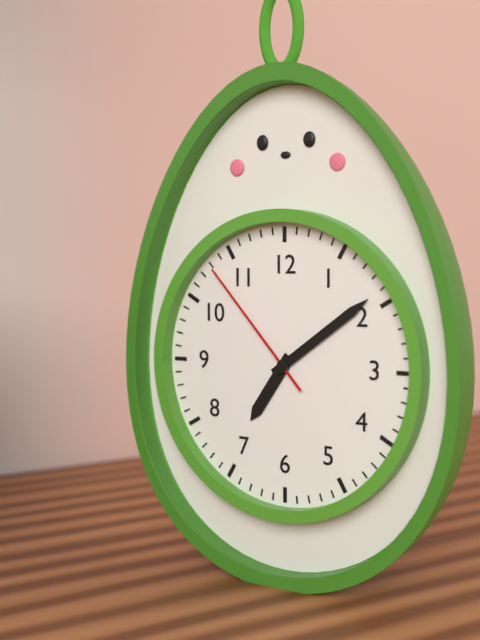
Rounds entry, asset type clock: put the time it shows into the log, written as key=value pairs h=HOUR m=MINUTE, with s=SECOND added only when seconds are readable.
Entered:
h=7 m=9 s=53
